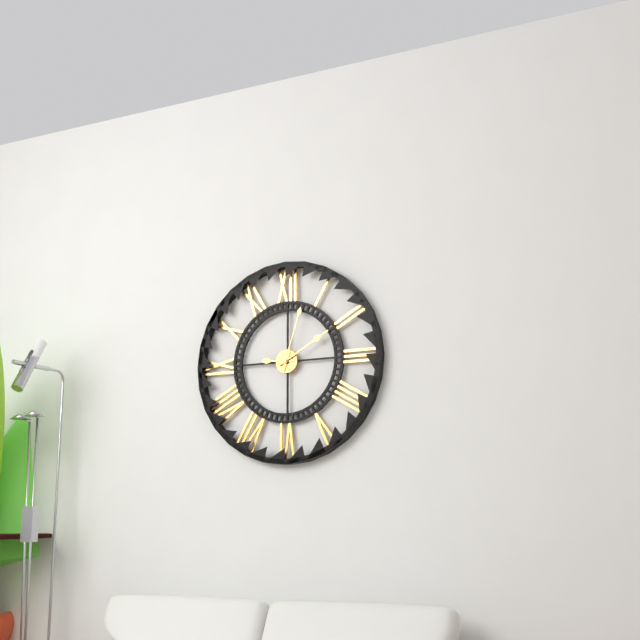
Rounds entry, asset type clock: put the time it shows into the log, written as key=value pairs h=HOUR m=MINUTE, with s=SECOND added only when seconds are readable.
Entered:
h=9 m=10 s=3
